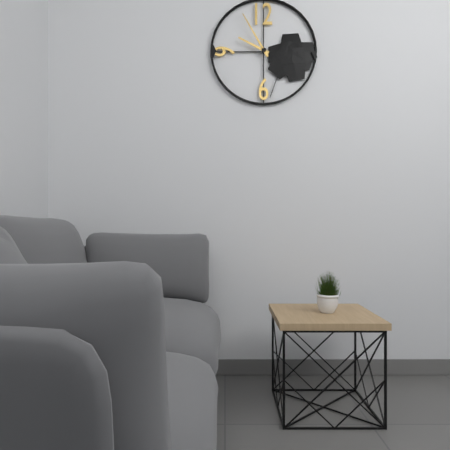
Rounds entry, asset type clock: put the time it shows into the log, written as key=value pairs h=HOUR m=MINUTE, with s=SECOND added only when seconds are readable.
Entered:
h=9 m=55
